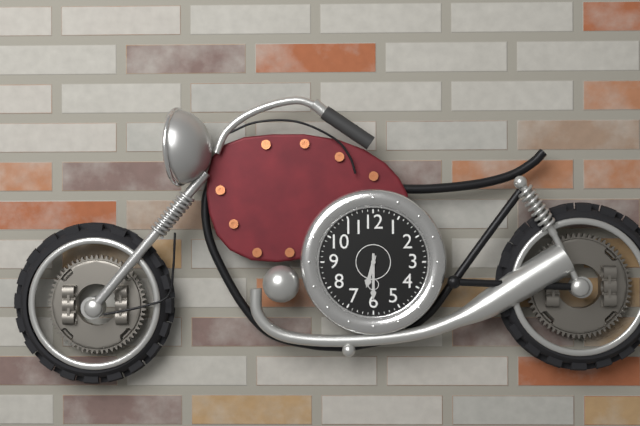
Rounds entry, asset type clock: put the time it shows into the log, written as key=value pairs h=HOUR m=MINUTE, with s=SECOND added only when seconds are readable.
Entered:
h=6 m=30
